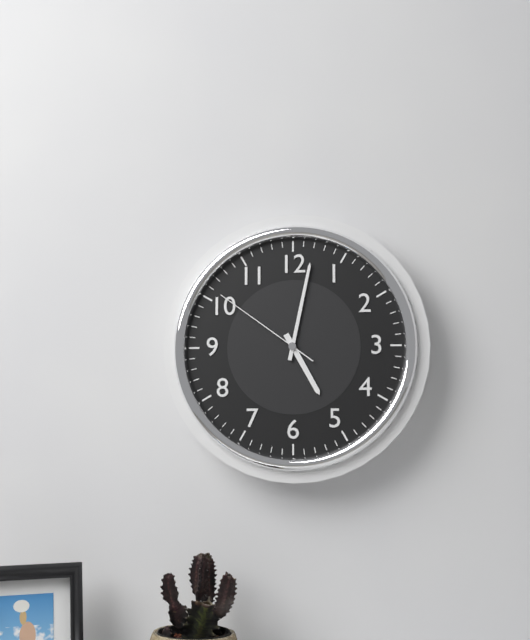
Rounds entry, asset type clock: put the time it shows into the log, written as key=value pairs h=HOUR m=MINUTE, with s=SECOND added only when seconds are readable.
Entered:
h=5 m=2 s=51
